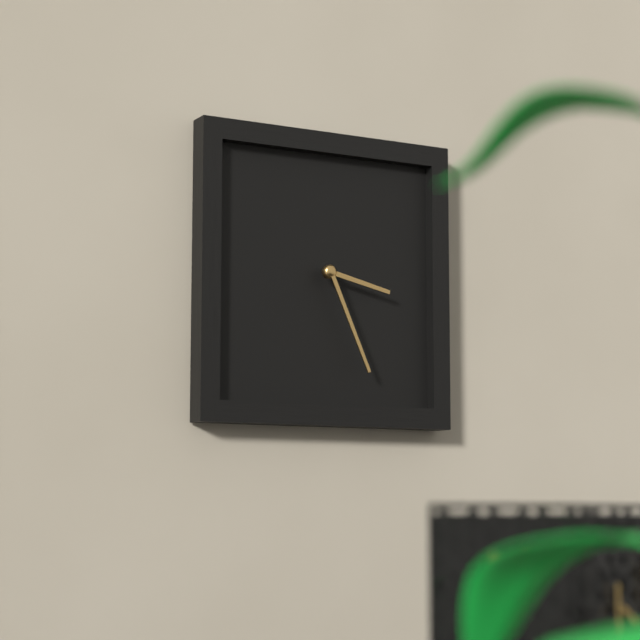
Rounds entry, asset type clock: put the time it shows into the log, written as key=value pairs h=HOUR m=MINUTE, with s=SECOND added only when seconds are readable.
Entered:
h=3 m=26
